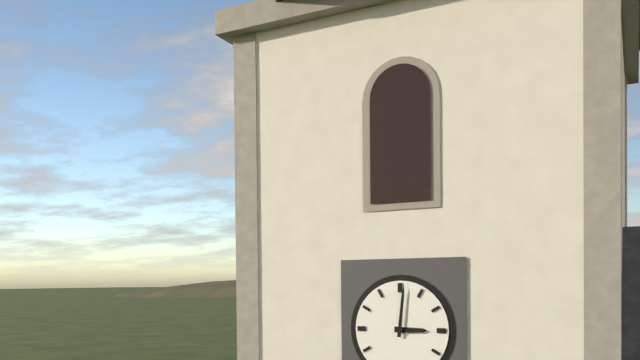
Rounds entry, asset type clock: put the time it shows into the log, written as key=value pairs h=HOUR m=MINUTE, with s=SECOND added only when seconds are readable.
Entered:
h=3 m=1
